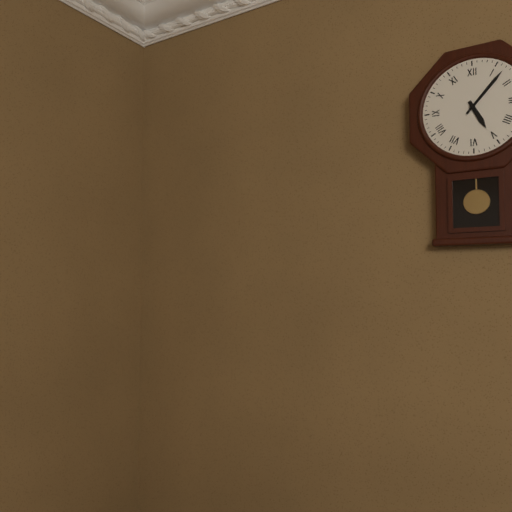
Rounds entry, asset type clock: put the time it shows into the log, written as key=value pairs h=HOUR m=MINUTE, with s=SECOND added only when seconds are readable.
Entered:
h=5 m=7
